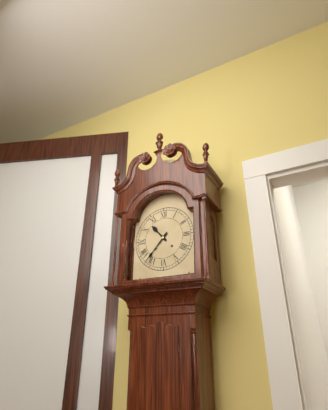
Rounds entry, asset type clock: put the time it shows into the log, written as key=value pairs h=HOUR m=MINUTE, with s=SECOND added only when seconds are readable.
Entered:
h=10 m=37
